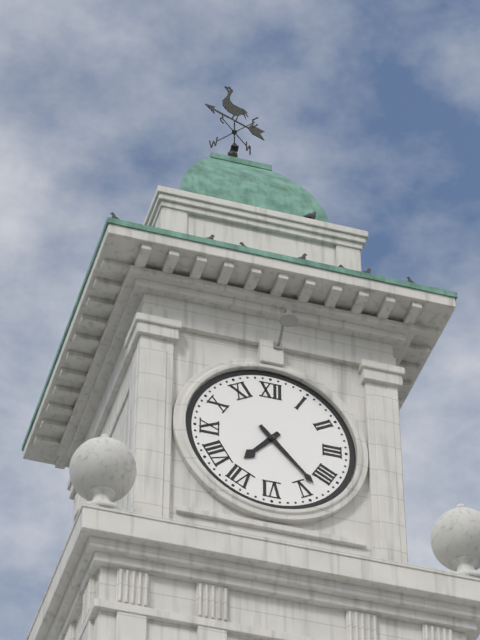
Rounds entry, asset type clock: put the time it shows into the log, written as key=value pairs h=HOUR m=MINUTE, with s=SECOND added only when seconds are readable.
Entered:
h=7 m=23
